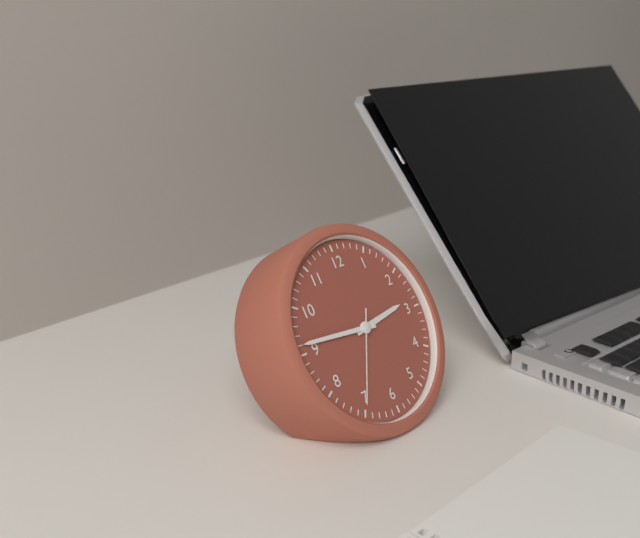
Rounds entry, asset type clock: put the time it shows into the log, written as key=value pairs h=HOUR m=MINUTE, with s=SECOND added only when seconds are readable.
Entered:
h=2 m=46 s=35
